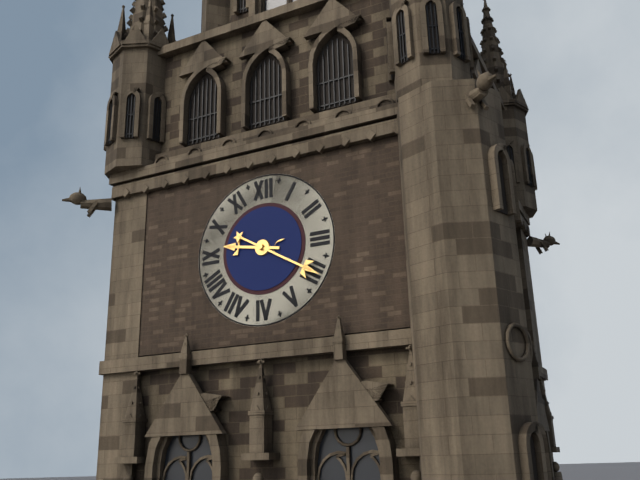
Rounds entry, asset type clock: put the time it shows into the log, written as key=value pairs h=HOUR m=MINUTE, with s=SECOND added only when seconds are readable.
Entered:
h=9 m=20
